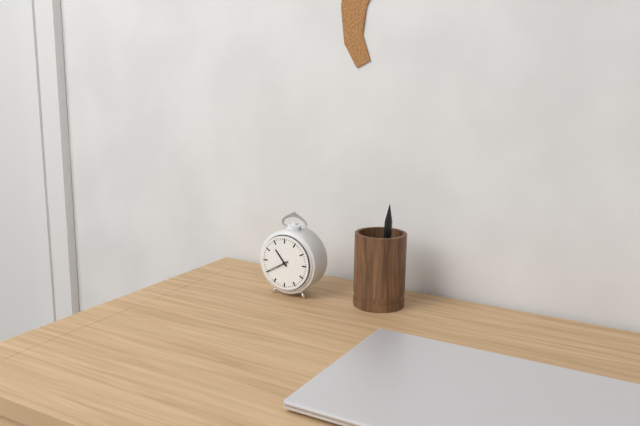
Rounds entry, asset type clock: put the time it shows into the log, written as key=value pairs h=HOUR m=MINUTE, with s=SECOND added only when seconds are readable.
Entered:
h=10 m=40
